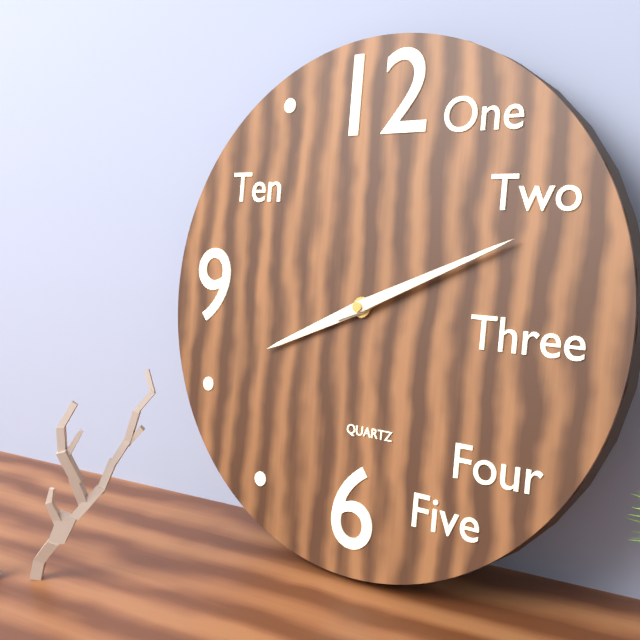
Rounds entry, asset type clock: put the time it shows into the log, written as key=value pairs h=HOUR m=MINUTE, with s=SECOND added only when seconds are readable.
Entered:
h=8 m=11
